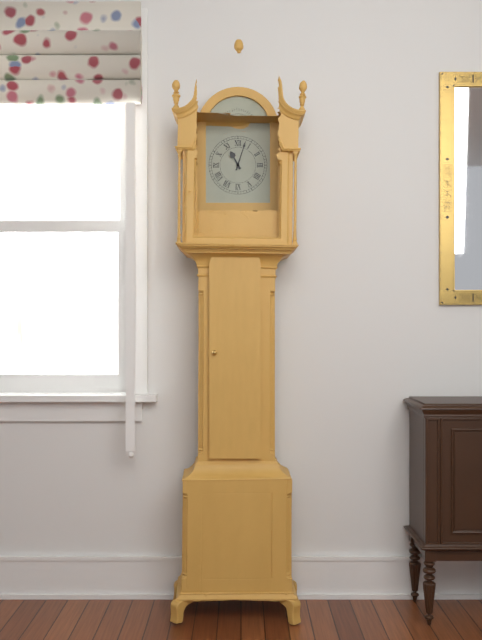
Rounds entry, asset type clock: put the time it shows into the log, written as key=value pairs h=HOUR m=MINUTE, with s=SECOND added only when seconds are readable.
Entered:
h=11 m=3
